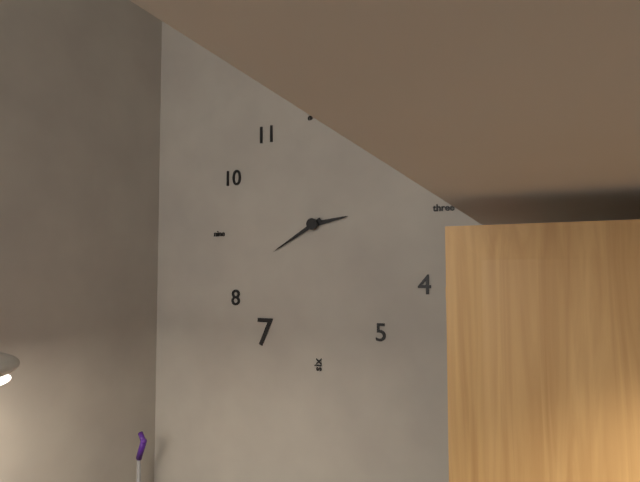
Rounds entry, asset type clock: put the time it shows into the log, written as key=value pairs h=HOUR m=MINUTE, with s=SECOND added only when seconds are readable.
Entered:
h=2 m=40
